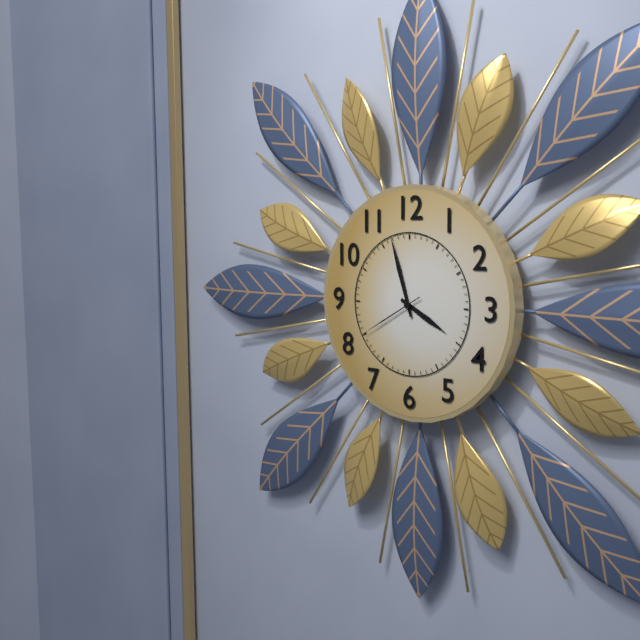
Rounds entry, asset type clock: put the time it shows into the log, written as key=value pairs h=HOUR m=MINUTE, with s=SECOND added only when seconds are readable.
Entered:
h=3 m=57 s=40
